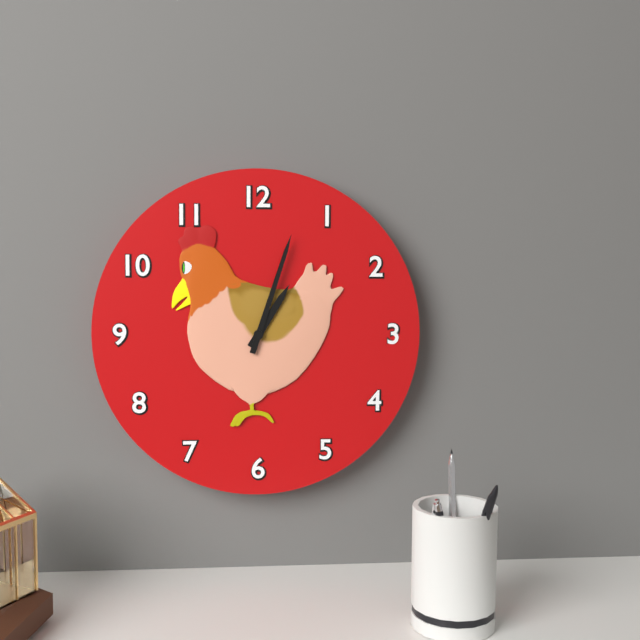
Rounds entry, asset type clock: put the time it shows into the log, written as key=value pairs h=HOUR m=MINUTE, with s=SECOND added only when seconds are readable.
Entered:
h=1 m=3
